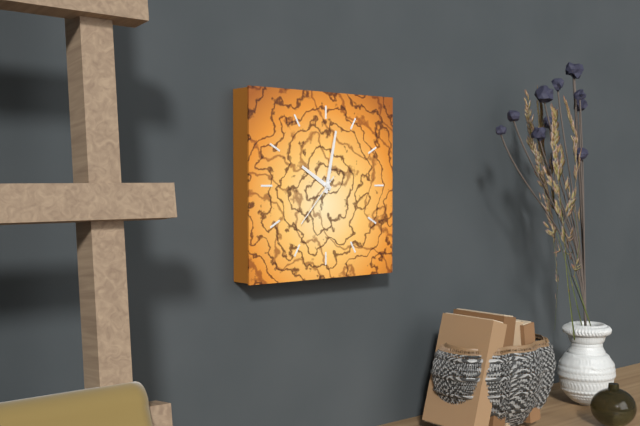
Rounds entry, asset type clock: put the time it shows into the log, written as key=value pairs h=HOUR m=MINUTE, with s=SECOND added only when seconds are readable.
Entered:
h=10 m=2 s=37
